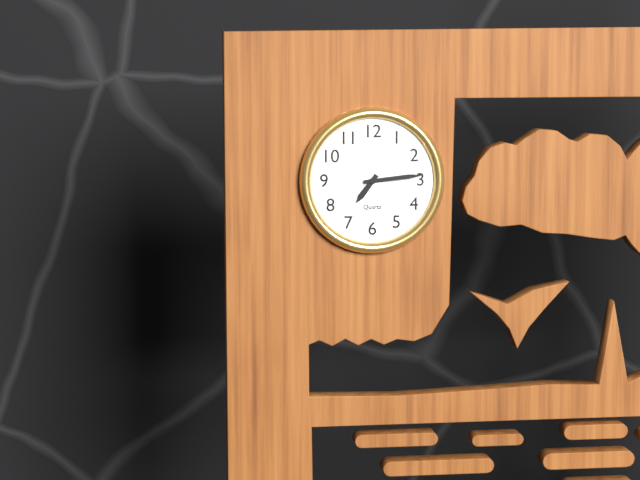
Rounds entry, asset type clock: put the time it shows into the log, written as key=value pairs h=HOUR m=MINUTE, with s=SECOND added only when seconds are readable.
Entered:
h=7 m=14
